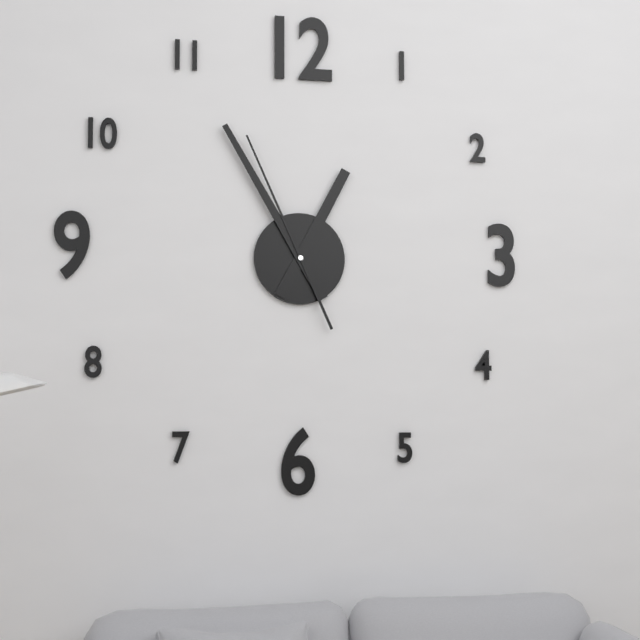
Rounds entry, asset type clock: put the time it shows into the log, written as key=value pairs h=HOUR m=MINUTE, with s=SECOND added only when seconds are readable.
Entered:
h=12 m=55 s=56
